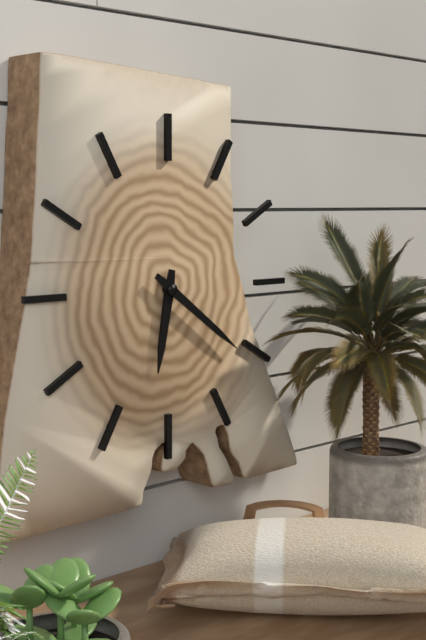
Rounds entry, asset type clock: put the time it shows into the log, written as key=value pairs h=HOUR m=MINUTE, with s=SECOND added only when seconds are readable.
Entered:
h=6 m=21
